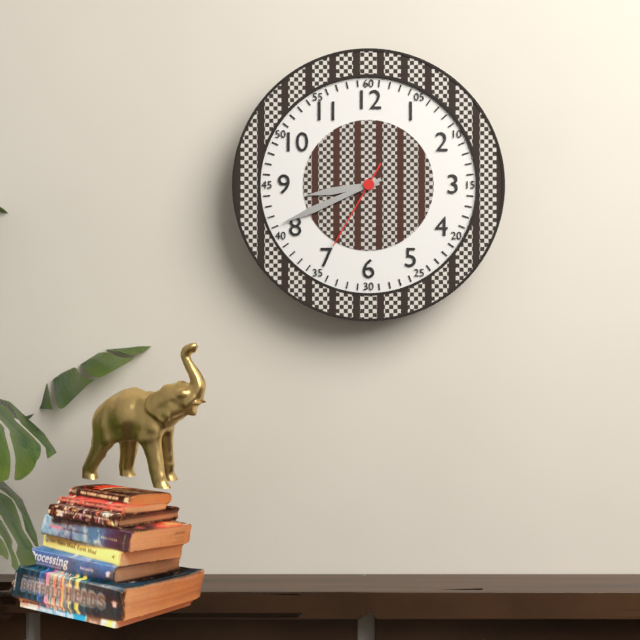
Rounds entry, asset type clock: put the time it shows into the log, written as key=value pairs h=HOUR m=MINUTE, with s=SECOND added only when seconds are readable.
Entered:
h=8 m=41 s=35
